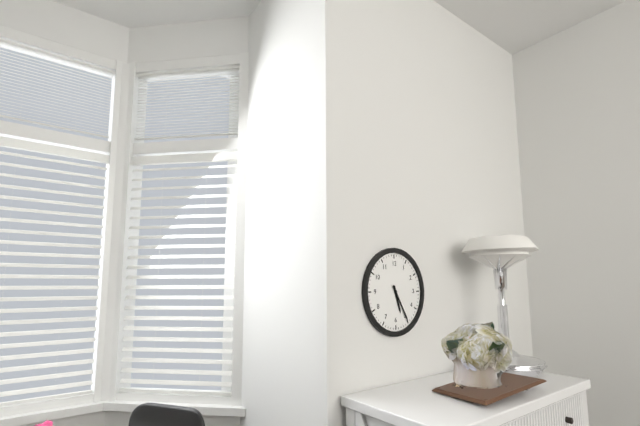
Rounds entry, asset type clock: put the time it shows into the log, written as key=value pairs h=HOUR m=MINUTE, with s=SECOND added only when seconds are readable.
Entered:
h=5 m=25
